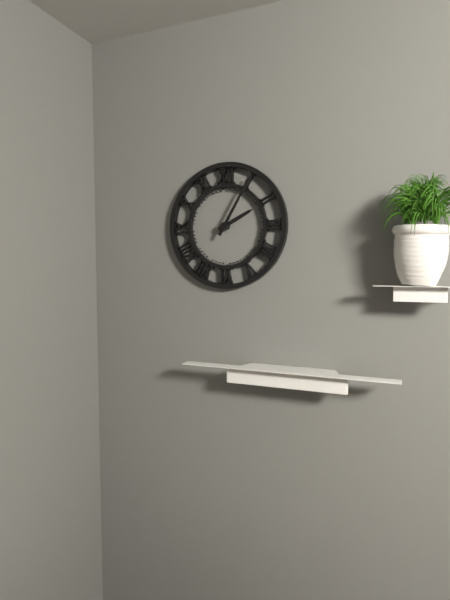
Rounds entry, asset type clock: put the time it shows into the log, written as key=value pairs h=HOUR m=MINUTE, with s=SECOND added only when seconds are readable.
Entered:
h=2 m=5
